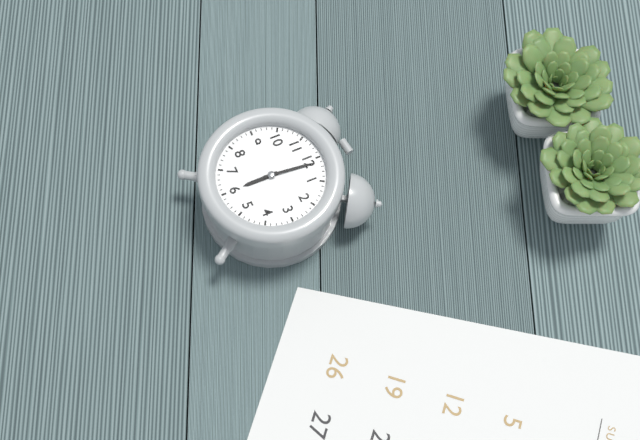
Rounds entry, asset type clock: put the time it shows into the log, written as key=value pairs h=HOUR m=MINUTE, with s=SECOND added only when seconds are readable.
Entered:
h=6 m=1
